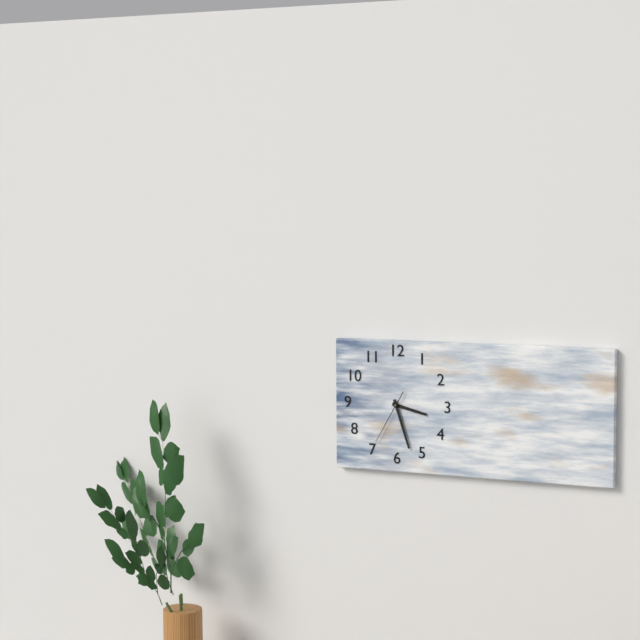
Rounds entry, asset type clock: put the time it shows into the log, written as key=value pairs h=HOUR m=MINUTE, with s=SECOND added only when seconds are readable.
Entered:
h=3 m=27 s=35
